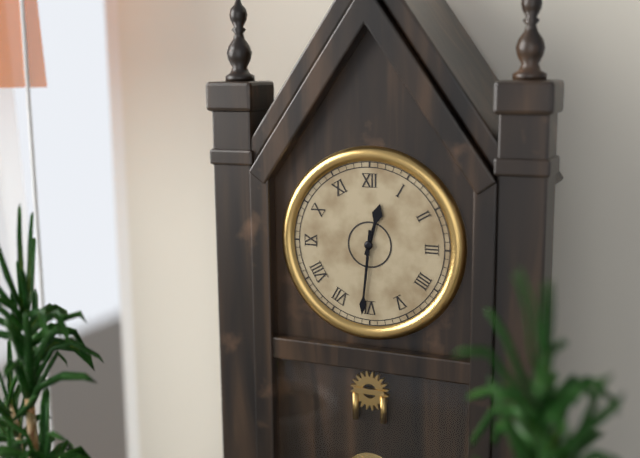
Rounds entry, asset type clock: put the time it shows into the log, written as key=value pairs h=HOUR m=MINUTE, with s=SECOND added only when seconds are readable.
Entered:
h=12 m=31
